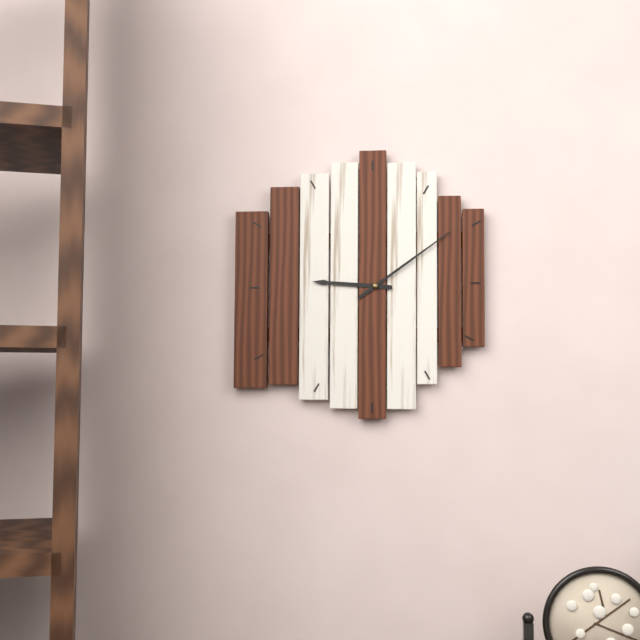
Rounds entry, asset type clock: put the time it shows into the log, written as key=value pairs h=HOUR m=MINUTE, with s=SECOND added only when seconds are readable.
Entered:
h=9 m=9
